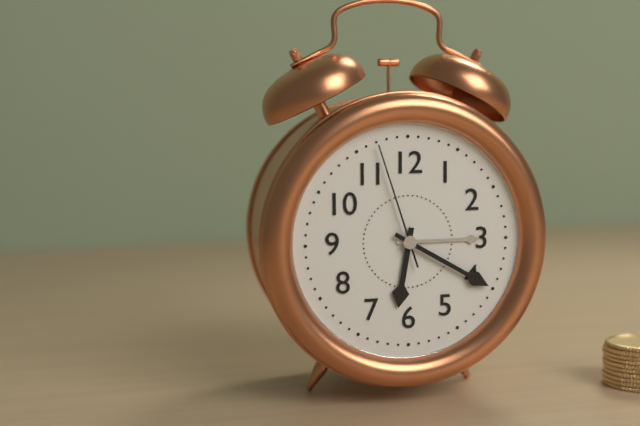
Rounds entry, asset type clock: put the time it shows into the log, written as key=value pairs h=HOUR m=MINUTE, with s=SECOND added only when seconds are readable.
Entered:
h=6 m=20 s=57
